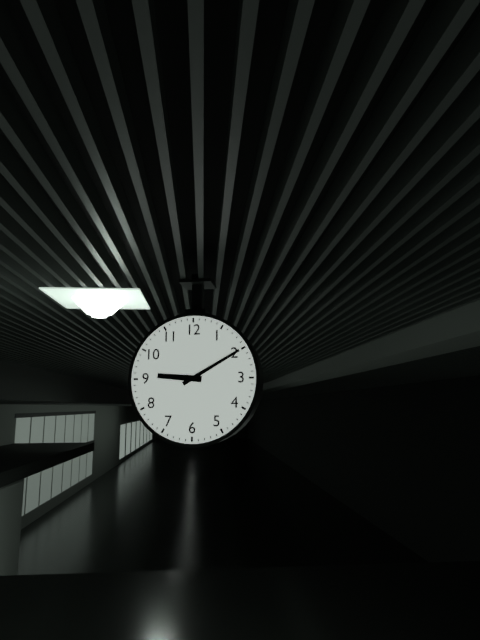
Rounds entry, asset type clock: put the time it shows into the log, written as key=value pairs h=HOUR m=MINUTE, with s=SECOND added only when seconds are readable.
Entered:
h=9 m=10
